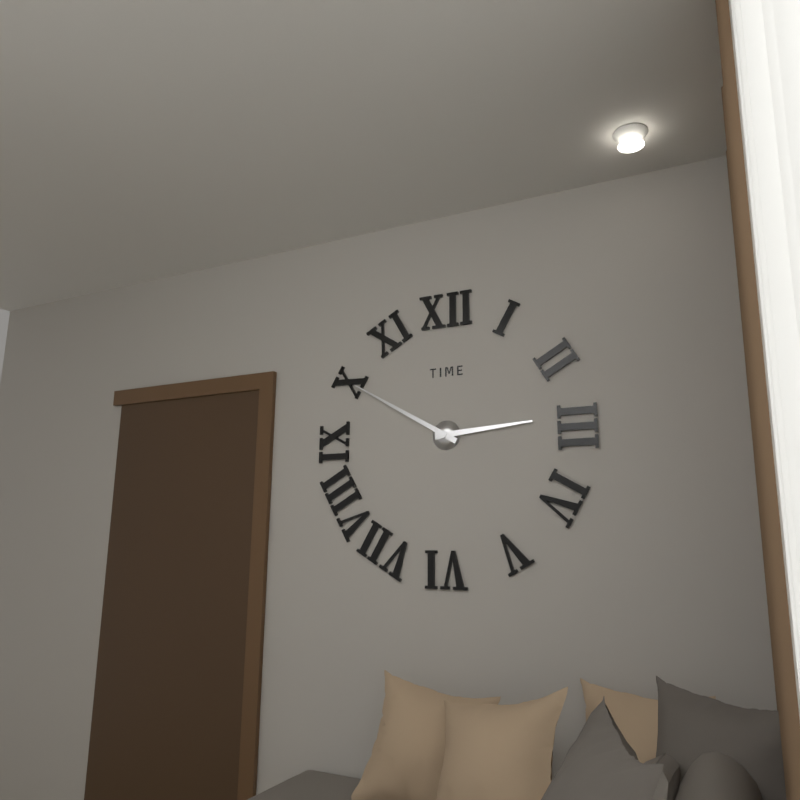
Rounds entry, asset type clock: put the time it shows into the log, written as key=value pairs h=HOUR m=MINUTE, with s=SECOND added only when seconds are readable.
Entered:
h=2 m=50
